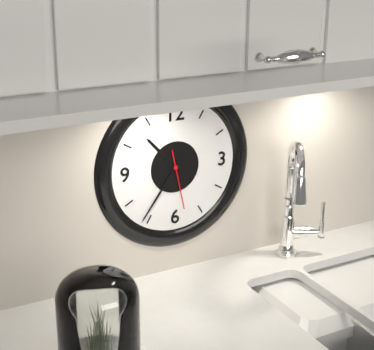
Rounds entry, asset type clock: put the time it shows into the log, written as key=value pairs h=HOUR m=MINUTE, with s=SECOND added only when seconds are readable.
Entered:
h=10 m=36 s=28
